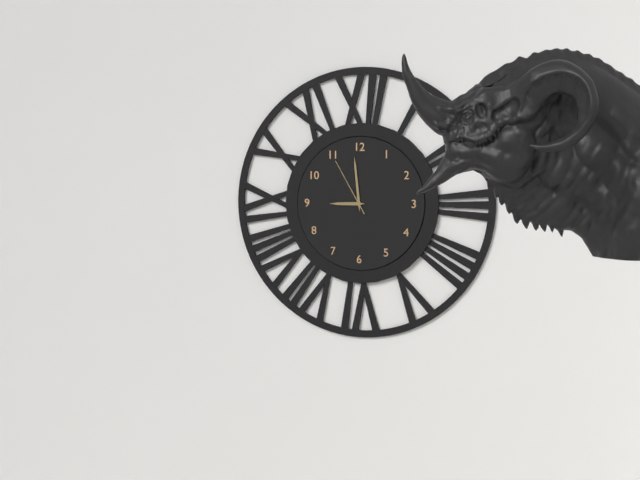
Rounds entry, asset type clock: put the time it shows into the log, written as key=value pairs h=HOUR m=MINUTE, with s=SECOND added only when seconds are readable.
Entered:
h=8 m=59 s=55
